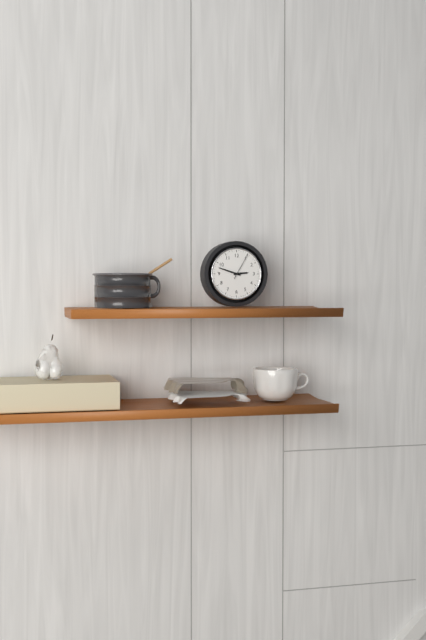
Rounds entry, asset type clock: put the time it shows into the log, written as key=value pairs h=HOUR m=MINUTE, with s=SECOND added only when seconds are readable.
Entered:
h=2 m=48
